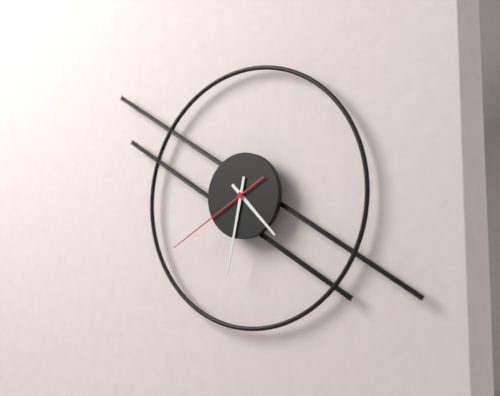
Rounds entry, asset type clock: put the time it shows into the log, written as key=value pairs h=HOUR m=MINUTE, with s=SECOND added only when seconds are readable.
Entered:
h=4 m=32 s=40
